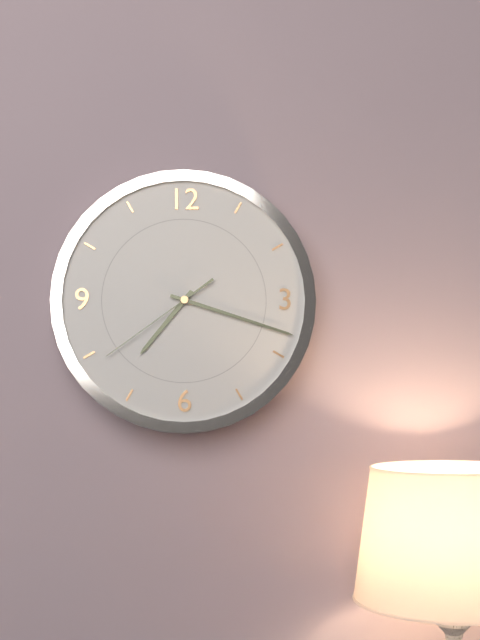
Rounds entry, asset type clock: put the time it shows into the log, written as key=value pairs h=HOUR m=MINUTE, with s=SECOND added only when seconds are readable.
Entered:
h=7 m=18 s=39
